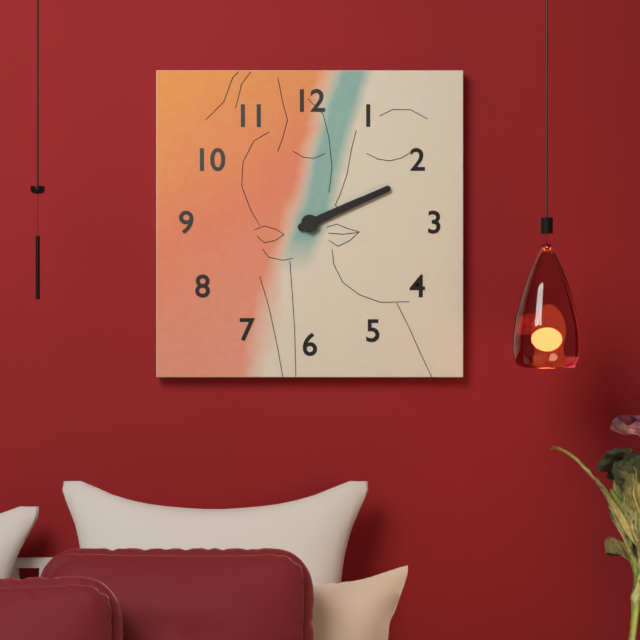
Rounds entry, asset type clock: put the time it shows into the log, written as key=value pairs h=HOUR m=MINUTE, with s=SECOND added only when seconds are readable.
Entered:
h=2 m=11
